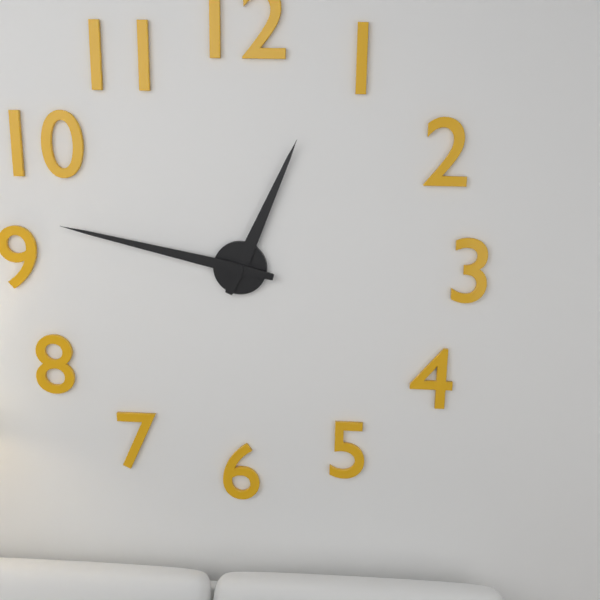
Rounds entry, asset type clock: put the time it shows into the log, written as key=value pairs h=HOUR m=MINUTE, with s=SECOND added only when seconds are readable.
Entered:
h=12 m=47
